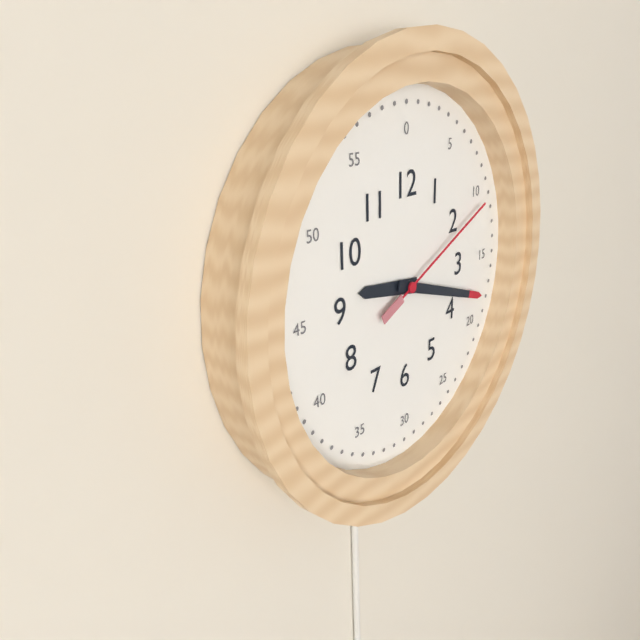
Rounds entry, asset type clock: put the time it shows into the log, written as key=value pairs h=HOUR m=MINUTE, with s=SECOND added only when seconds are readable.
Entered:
h=9 m=18 s=11
